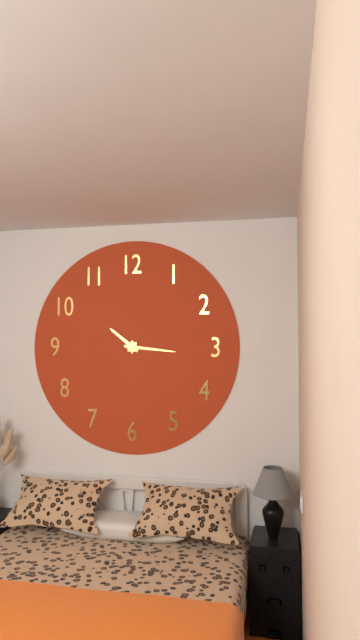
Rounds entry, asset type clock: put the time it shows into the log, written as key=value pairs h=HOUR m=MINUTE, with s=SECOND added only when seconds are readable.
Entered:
h=10 m=16
